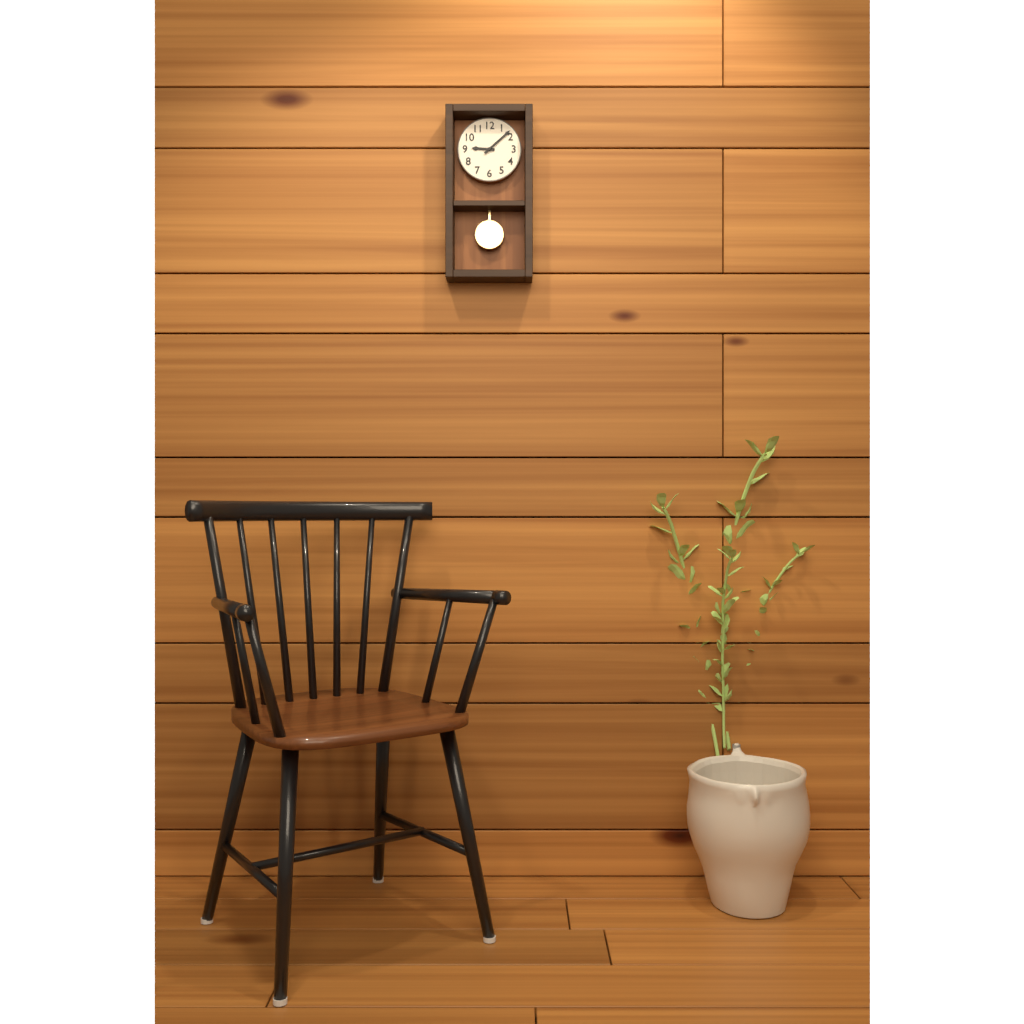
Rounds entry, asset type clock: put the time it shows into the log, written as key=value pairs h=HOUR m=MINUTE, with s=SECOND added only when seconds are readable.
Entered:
h=9 m=8
